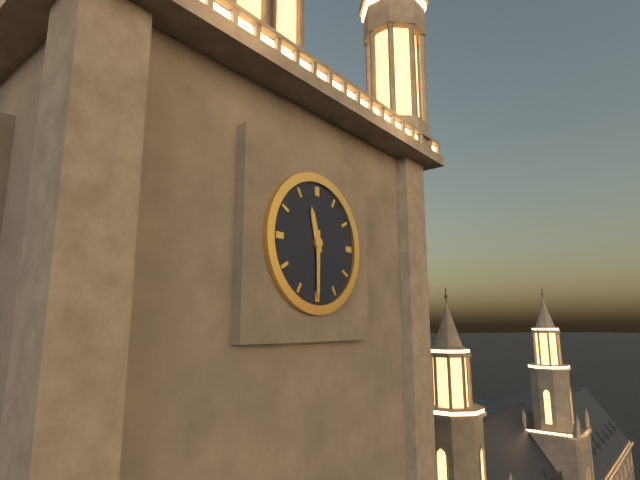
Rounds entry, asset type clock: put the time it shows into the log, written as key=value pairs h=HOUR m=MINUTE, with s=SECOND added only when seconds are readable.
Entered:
h=11 m=30
